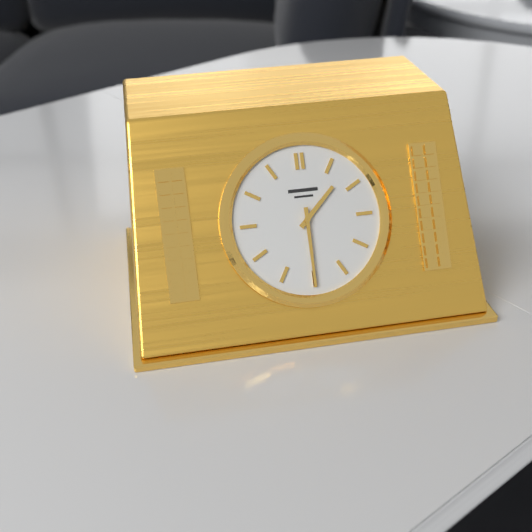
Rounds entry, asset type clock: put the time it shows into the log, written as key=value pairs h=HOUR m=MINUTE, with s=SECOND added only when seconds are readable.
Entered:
h=1 m=30
